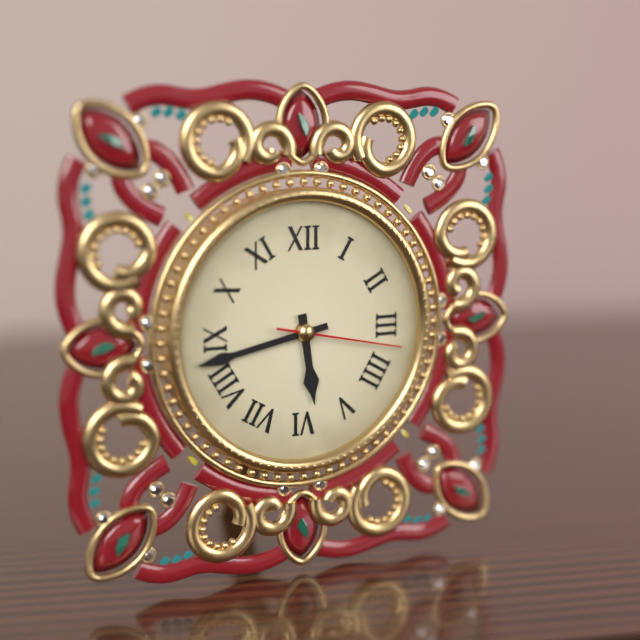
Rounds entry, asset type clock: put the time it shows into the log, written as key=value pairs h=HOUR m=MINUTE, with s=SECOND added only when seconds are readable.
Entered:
h=5 m=43 s=17
